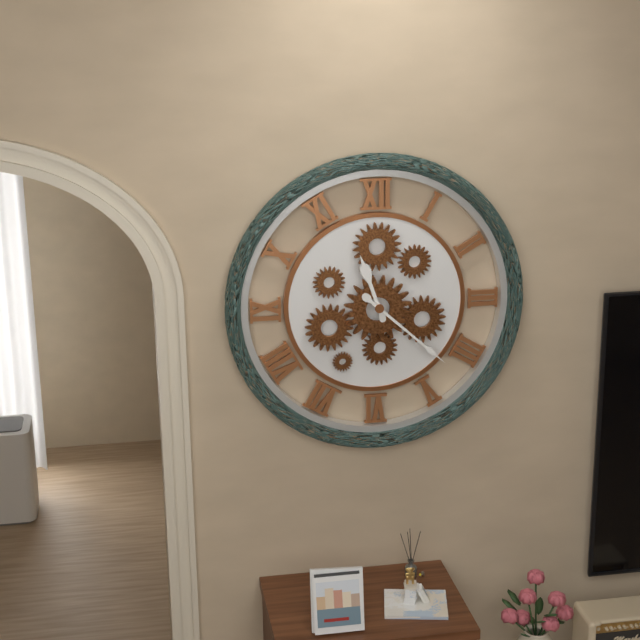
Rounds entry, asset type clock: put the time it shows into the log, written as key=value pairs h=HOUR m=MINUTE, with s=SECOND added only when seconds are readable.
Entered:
h=11 m=22
